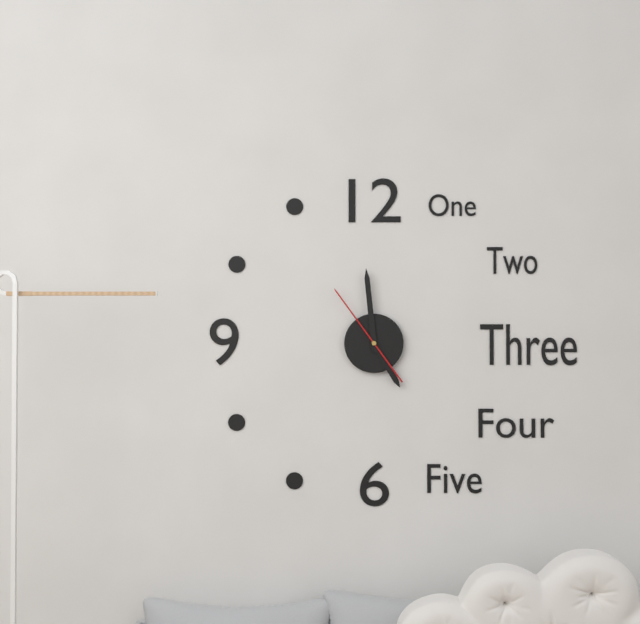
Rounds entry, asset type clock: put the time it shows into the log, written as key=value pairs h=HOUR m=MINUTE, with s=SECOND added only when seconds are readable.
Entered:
h=4 m=59 s=54
